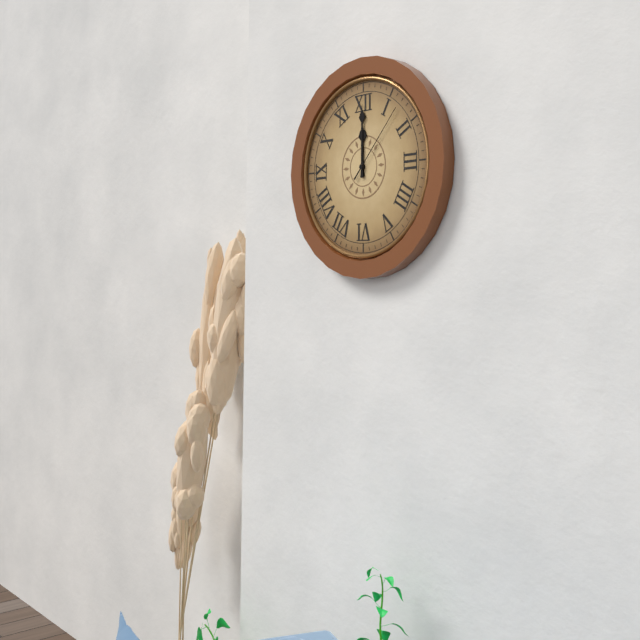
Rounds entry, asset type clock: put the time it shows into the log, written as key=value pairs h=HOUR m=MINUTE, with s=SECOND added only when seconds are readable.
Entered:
h=12 m=0 s=7
